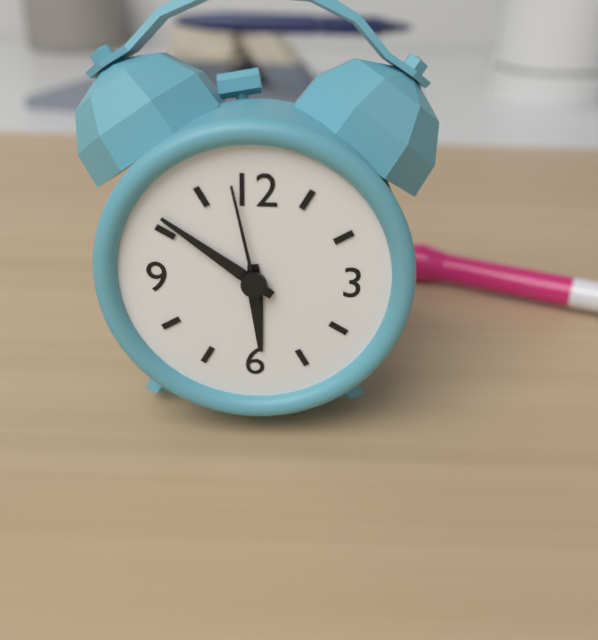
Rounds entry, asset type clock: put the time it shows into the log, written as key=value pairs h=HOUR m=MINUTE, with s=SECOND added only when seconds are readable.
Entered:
h=5 m=51 s=58
